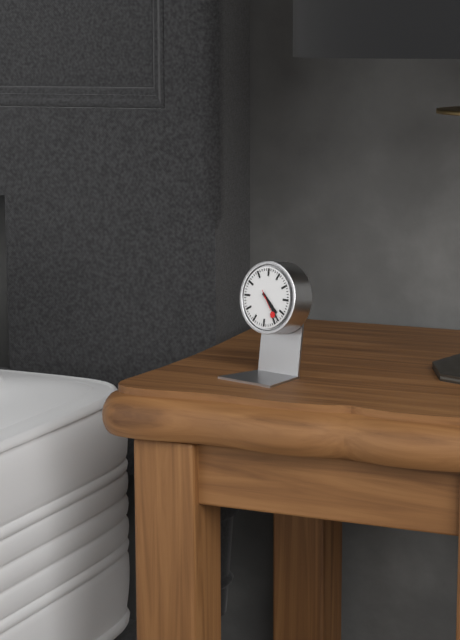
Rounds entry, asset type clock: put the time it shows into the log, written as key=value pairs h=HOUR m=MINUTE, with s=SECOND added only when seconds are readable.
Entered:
h=4 m=23
